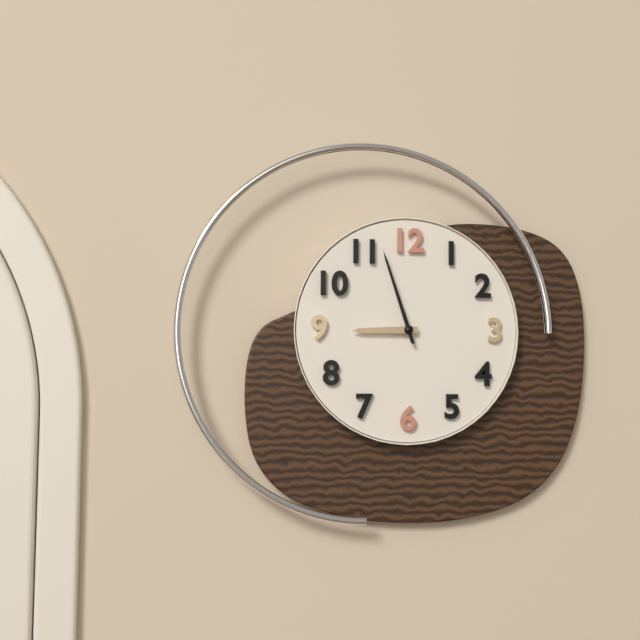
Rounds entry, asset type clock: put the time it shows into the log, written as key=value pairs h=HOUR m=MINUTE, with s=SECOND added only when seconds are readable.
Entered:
h=8 m=57
